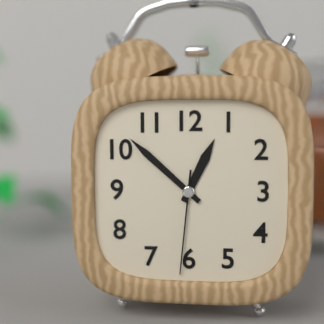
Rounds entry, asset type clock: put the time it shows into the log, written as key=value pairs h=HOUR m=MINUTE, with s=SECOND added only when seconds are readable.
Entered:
h=12 m=52 s=31
